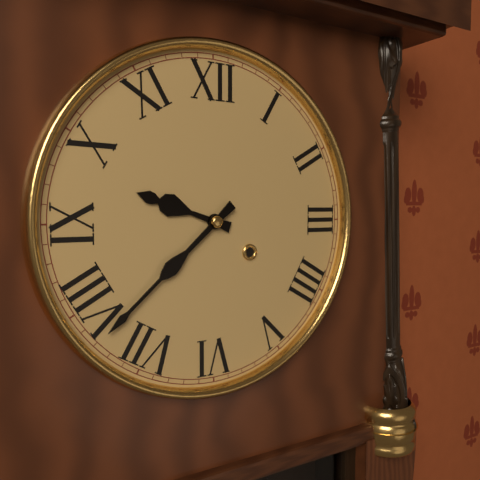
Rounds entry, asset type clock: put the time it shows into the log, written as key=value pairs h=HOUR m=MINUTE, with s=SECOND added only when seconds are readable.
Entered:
h=9 m=38
